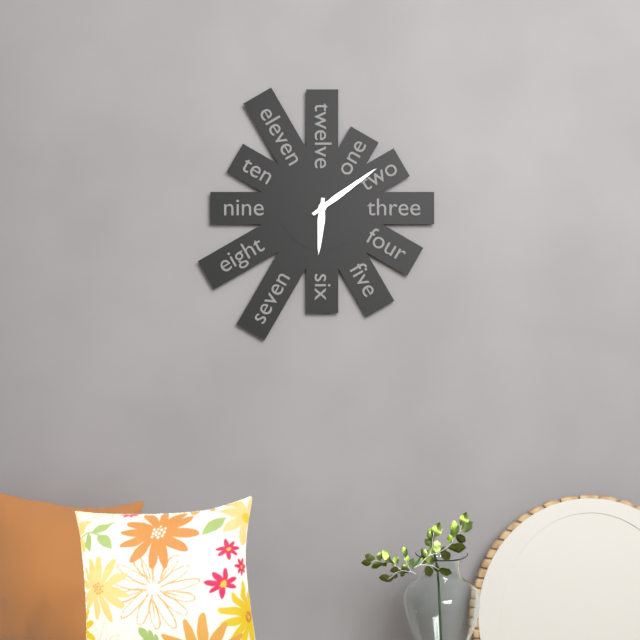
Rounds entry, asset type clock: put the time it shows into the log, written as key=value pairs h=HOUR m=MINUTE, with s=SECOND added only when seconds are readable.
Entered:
h=6 m=9
